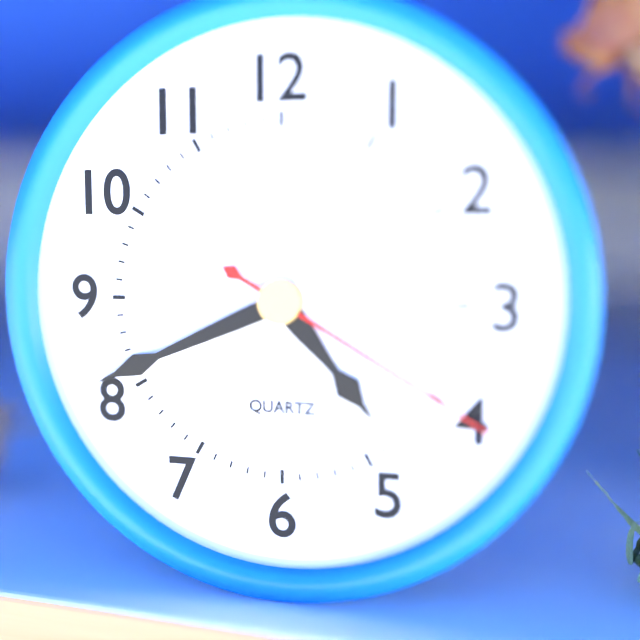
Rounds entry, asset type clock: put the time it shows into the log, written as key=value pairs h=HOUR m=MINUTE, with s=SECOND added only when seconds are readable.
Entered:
h=4 m=41 s=20
